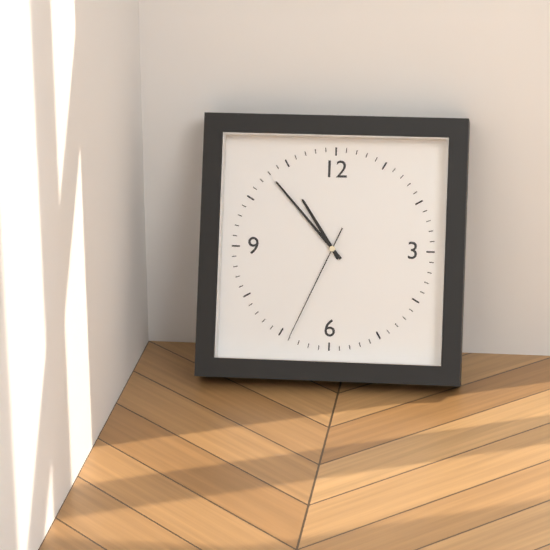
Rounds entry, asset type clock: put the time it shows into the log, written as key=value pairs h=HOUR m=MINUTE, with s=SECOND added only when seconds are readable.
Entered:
h=10 m=53 s=34
